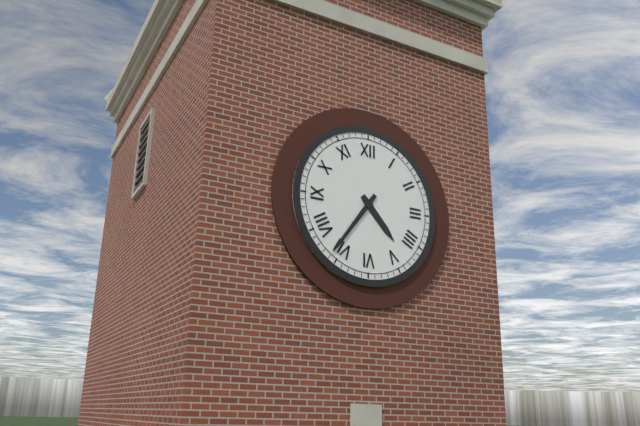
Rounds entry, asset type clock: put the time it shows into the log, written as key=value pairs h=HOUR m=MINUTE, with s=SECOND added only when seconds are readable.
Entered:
h=4 m=36
